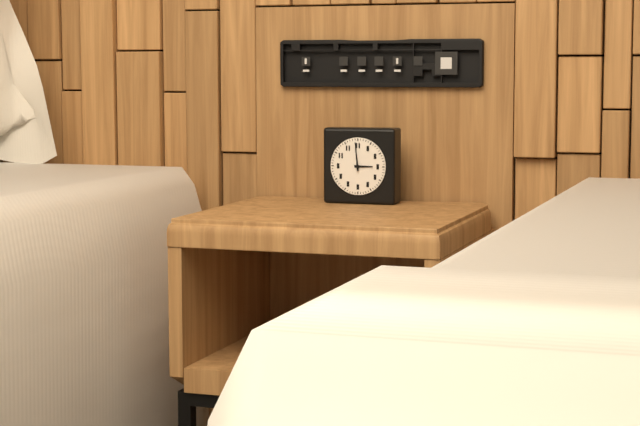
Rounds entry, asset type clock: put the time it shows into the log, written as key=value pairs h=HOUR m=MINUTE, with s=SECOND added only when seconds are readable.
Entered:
h=2 m=59
